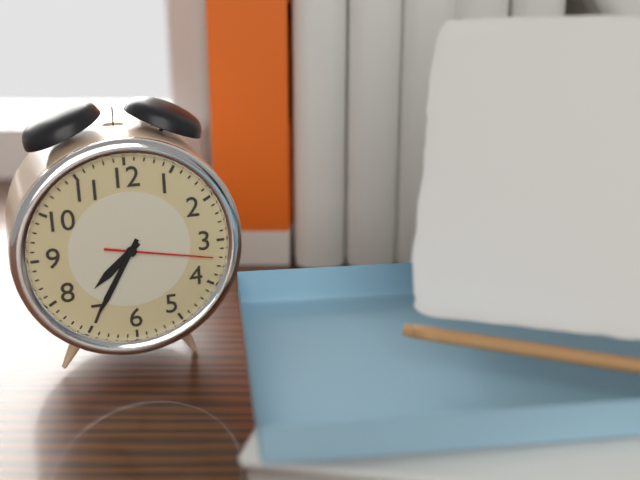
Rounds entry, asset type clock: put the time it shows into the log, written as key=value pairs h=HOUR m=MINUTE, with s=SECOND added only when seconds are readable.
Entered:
h=7 m=35 s=17
